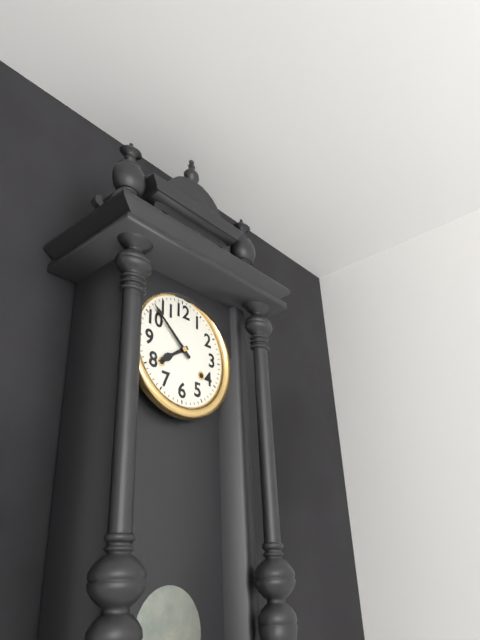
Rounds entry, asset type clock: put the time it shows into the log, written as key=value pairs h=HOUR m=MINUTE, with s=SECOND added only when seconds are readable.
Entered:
h=7 m=52
